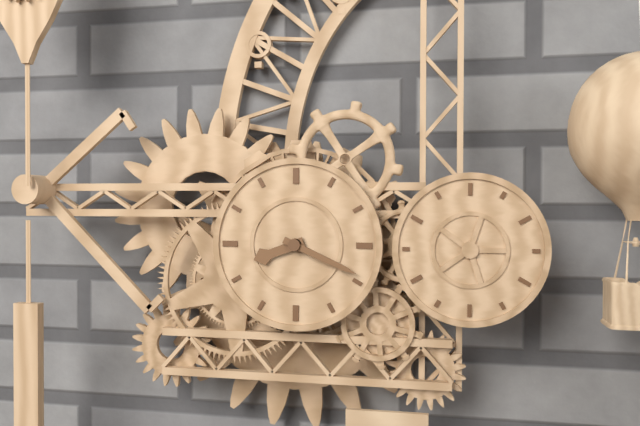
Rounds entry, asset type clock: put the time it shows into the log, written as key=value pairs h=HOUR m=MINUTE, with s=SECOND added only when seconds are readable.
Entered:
h=8 m=19
